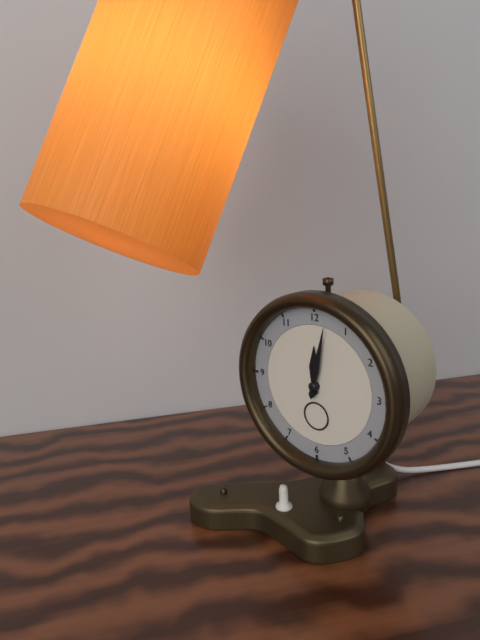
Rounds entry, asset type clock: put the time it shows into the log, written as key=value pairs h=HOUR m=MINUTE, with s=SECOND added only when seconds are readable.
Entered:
h=12 m=2
